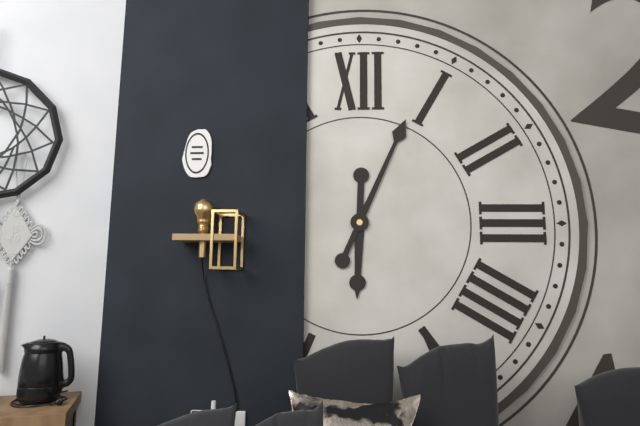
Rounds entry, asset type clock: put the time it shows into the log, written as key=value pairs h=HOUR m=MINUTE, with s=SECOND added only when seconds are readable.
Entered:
h=6 m=4
